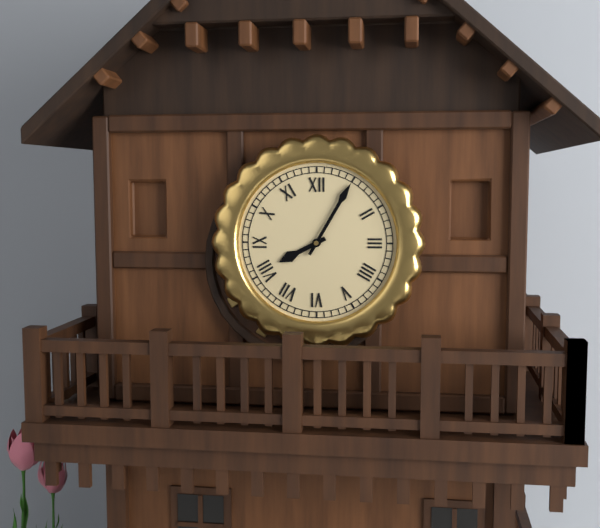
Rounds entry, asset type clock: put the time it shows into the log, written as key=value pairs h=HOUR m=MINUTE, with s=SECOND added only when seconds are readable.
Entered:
h=8 m=5
